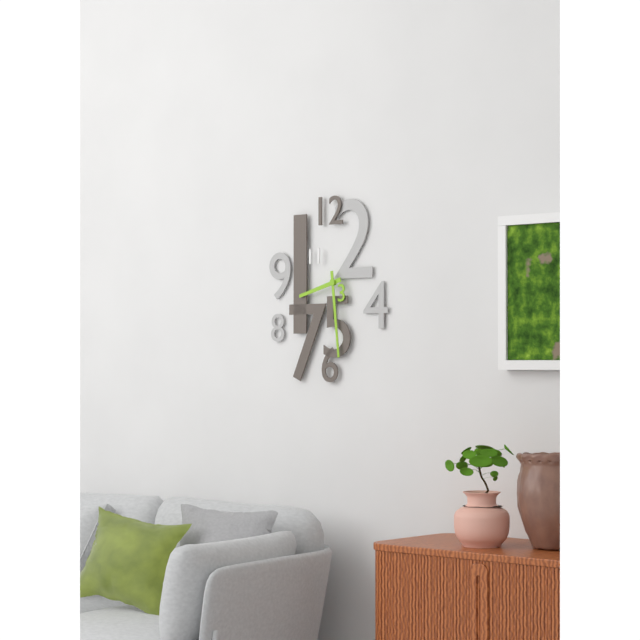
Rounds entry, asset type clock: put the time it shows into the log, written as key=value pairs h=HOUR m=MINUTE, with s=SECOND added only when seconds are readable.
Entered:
h=8 m=29
